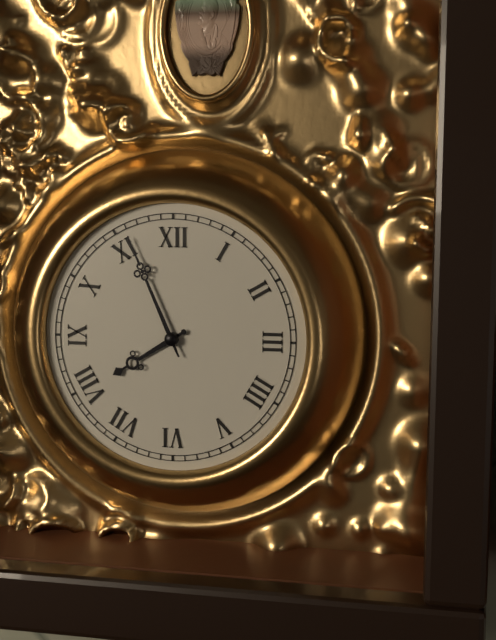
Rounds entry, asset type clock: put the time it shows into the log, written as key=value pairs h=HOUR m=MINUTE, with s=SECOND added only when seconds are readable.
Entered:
h=7 m=56
